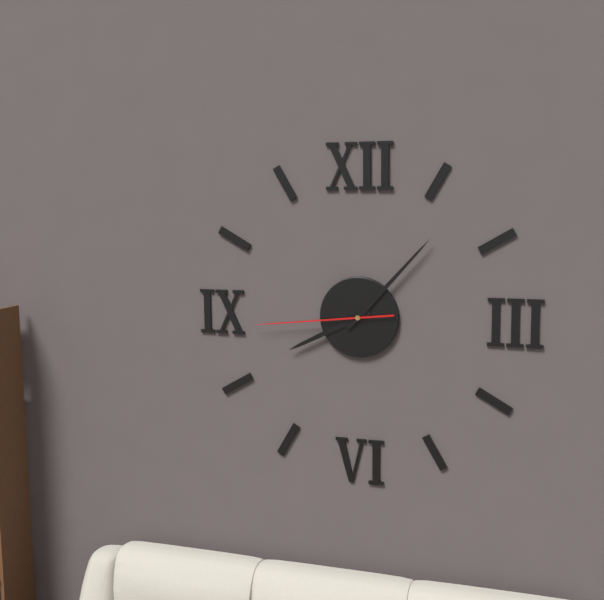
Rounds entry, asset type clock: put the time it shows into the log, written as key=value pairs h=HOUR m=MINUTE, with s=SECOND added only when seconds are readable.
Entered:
h=8 m=7 s=44
